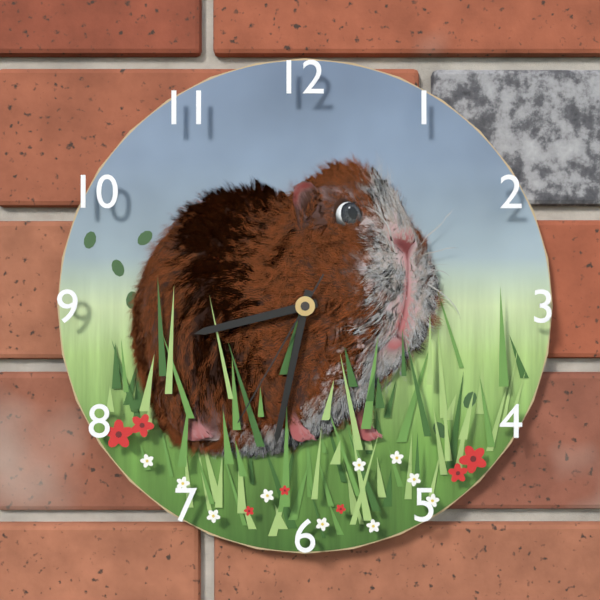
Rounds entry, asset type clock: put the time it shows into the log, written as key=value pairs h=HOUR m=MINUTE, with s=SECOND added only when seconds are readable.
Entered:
h=8 m=32 s=35
